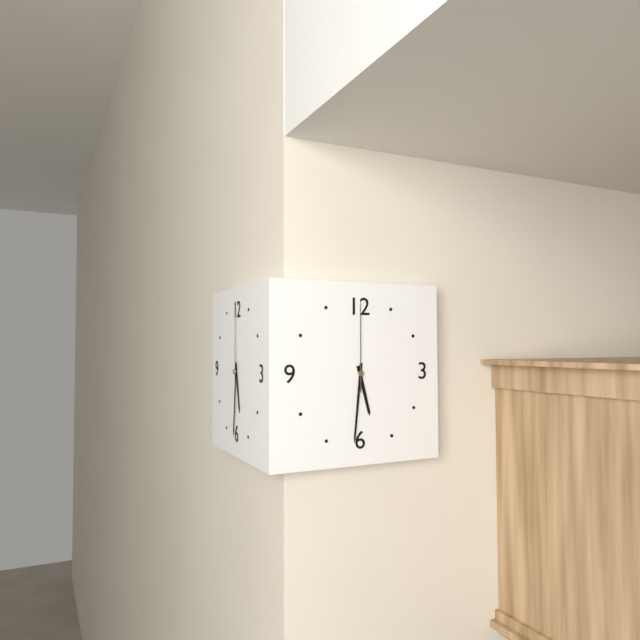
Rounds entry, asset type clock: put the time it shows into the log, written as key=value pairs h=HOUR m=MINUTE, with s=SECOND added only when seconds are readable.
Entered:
h=5 m=31 s=0
